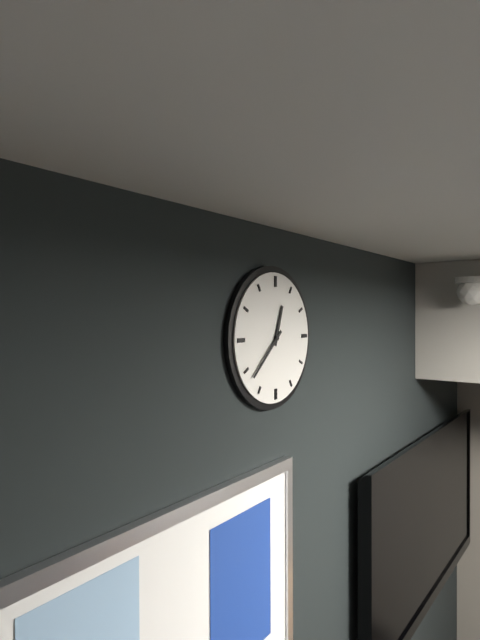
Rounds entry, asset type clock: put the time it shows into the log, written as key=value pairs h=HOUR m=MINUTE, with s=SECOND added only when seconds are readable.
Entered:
h=12 m=38
